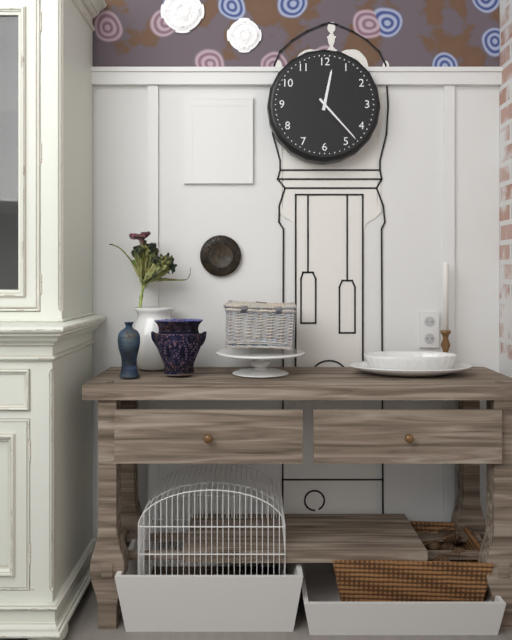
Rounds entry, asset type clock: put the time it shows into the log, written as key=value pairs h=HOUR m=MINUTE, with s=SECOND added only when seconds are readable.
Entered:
h=12 m=23
